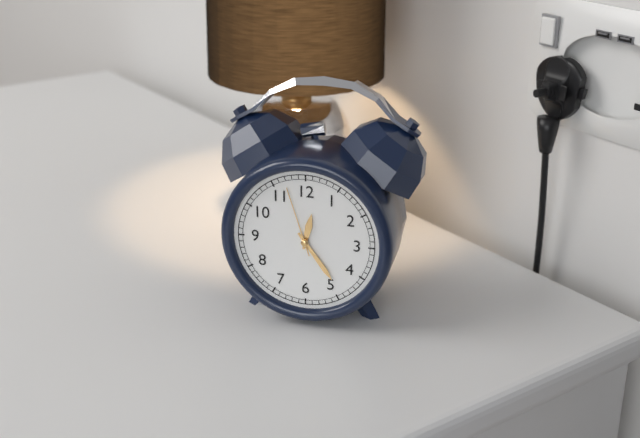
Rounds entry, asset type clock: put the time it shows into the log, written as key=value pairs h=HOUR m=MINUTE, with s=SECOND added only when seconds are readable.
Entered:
h=12 m=24 s=57
